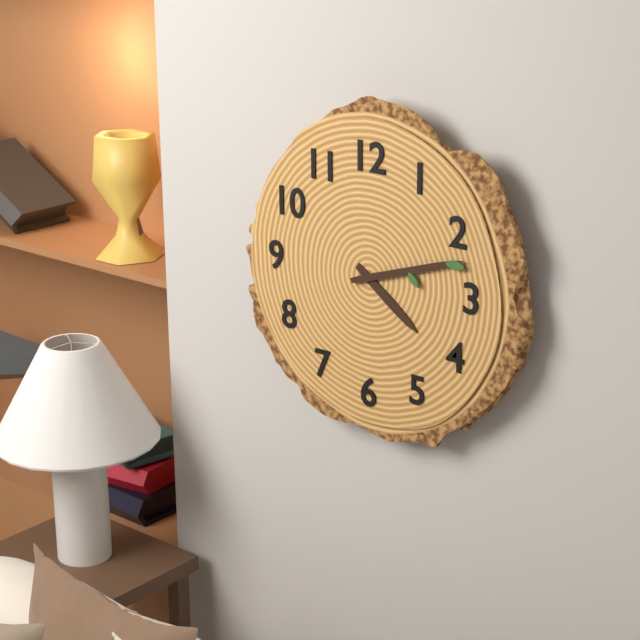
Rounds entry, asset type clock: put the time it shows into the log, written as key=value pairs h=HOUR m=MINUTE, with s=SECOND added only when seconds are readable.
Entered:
h=4 m=12
